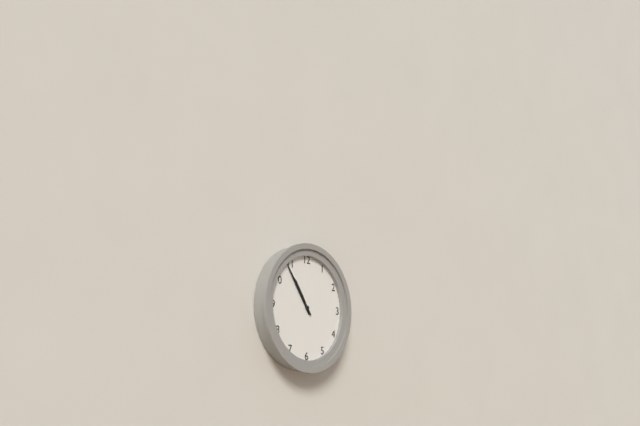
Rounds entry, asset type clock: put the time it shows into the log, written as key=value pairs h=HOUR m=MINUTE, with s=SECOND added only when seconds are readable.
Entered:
h=10 m=54
